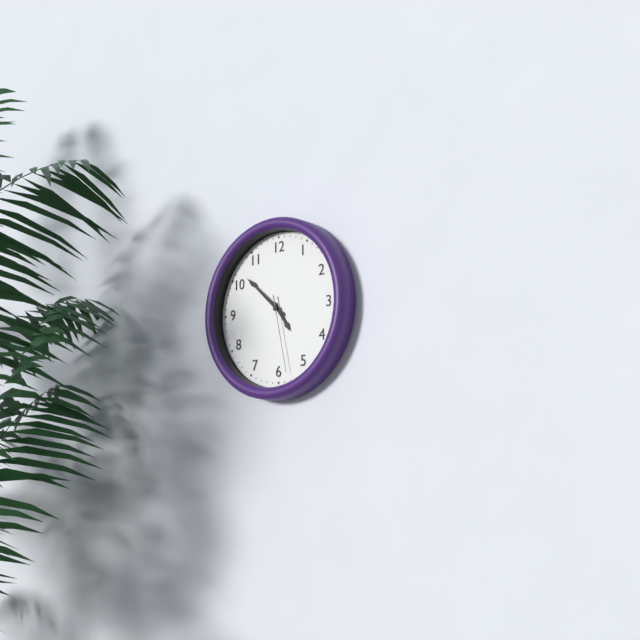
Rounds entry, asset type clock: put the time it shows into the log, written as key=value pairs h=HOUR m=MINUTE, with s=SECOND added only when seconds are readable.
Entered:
h=4 m=52 s=28
